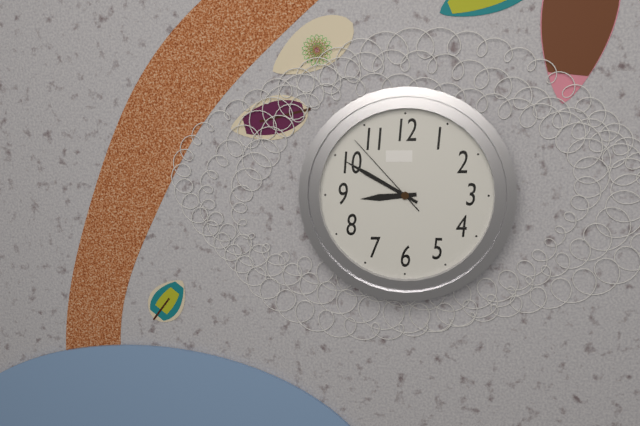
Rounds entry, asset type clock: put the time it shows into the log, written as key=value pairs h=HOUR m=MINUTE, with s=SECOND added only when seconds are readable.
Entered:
h=8 m=50 s=53
